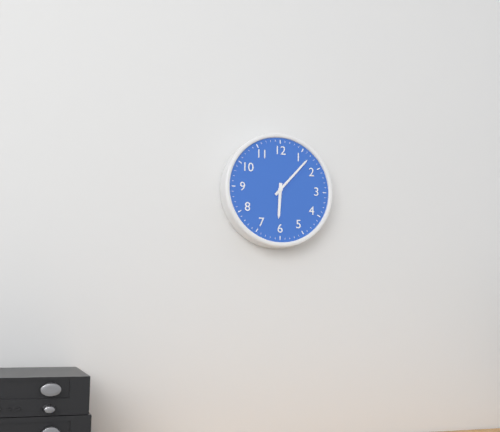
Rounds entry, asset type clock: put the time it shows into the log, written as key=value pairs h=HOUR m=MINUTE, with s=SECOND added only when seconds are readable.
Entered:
h=6 m=7
